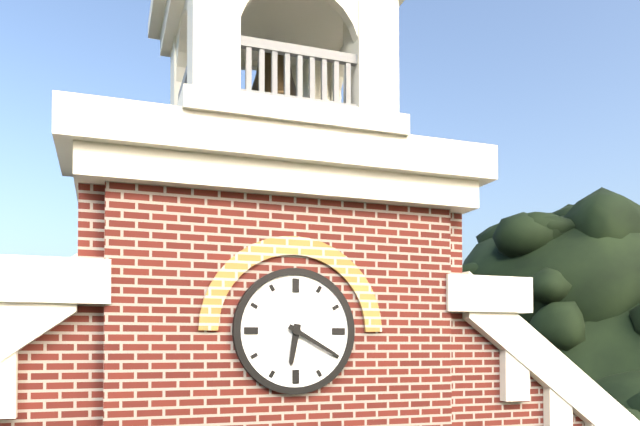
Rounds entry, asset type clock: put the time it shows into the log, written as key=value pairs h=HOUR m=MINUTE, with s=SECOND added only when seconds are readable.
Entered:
h=6 m=20
